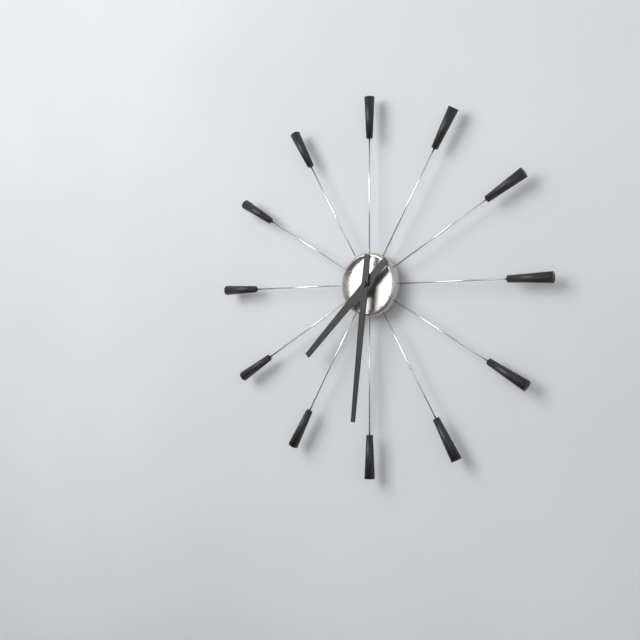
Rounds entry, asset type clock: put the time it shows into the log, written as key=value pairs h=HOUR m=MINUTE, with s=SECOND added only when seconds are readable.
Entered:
h=7 m=31
